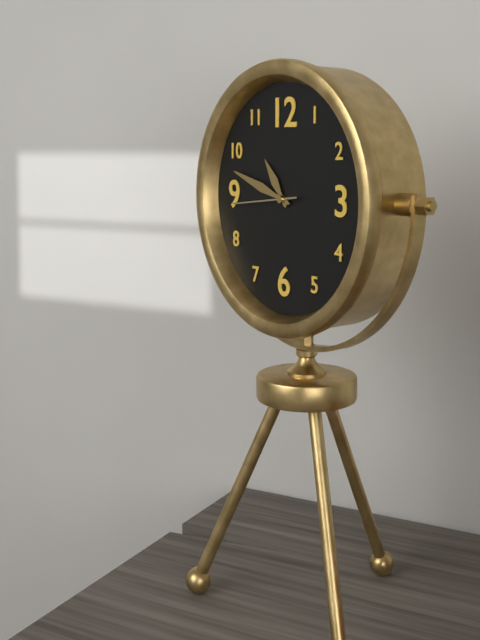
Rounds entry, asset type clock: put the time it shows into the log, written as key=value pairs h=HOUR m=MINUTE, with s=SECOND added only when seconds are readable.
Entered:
h=10 m=48 s=44
